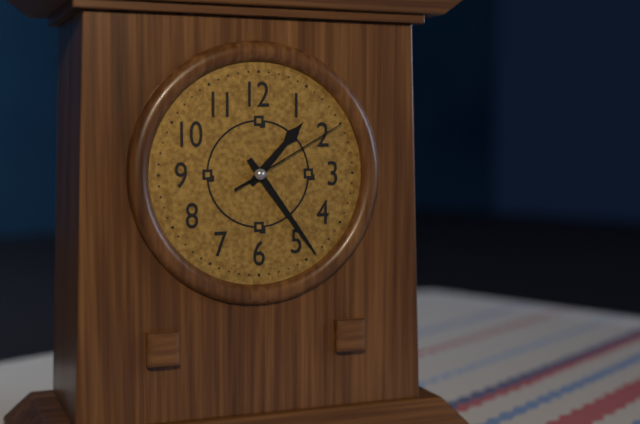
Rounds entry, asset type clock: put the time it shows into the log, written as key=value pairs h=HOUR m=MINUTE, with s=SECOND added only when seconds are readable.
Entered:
h=1 m=24 s=10
